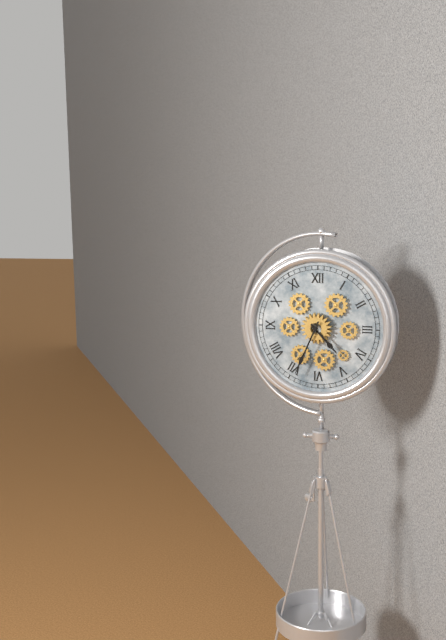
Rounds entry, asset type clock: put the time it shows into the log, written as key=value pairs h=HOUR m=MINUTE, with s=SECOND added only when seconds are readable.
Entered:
h=4 m=34
